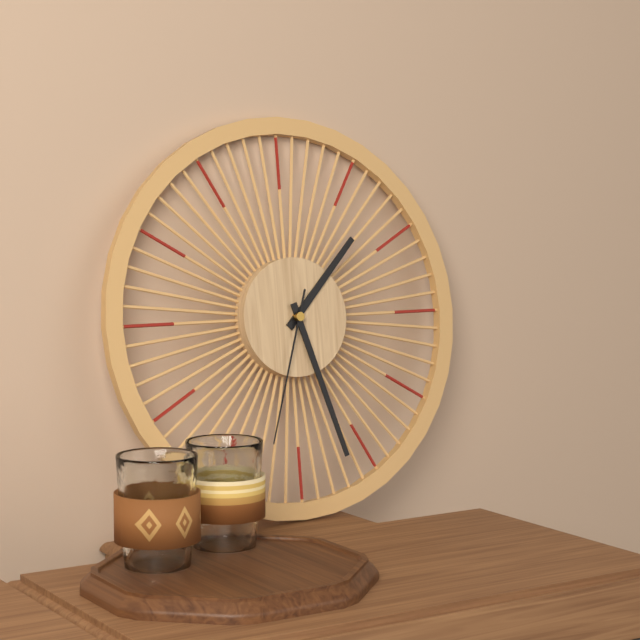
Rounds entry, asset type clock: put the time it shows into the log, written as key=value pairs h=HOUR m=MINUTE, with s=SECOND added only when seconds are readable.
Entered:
h=1 m=27 s=33
